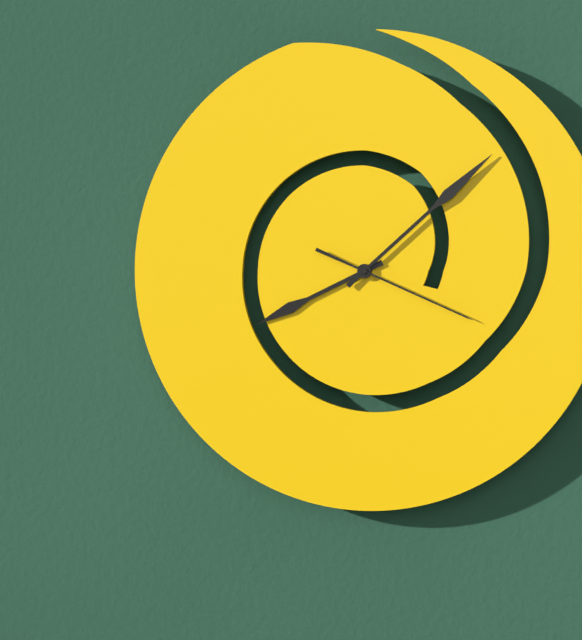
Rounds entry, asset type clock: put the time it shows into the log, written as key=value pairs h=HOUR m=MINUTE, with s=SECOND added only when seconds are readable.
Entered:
h=8 m=8 s=19
